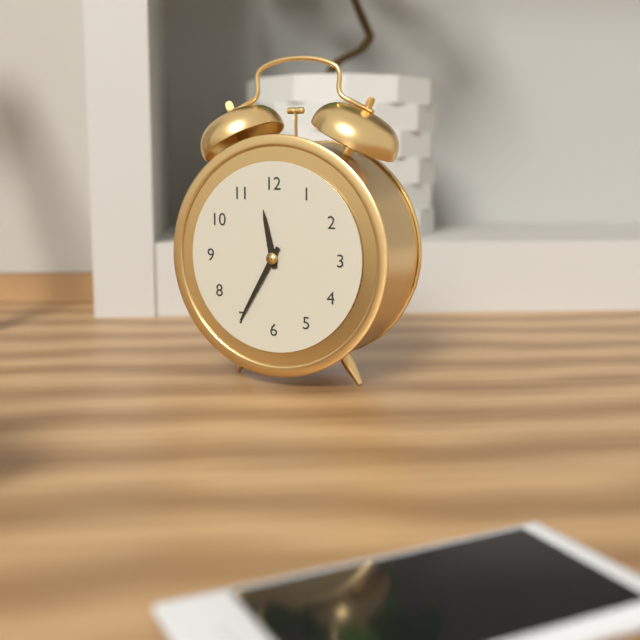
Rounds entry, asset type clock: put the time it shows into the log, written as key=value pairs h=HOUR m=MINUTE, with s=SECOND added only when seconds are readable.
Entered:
h=11 m=35
